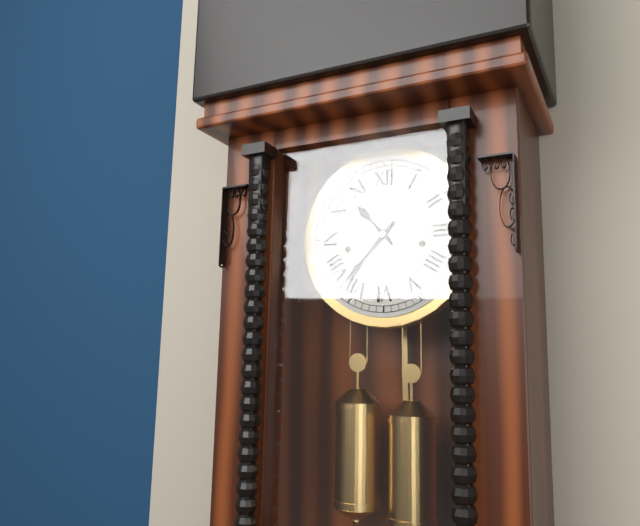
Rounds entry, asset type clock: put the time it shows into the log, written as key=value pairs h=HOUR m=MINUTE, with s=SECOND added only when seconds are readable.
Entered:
h=10 m=37
